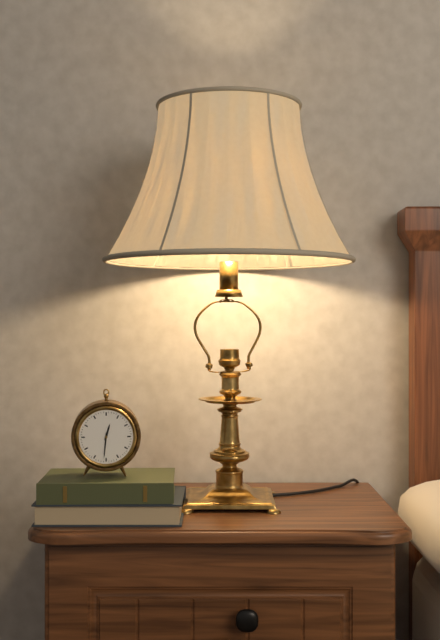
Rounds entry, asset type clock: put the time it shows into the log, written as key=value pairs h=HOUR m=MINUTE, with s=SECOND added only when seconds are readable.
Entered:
h=12 m=31
